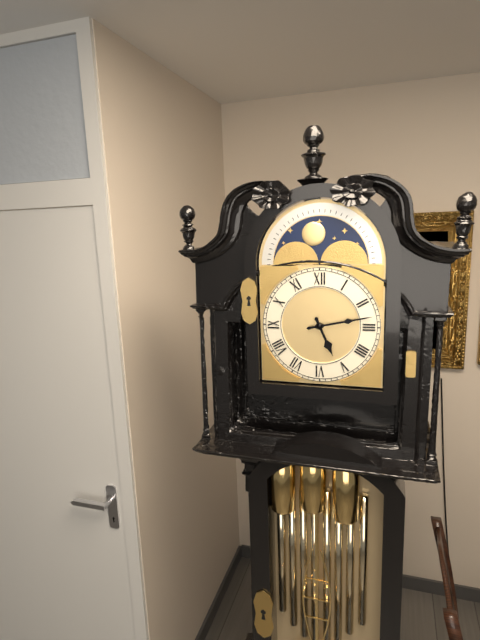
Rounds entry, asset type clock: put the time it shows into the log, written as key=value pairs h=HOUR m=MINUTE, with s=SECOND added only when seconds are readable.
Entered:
h=5 m=13
